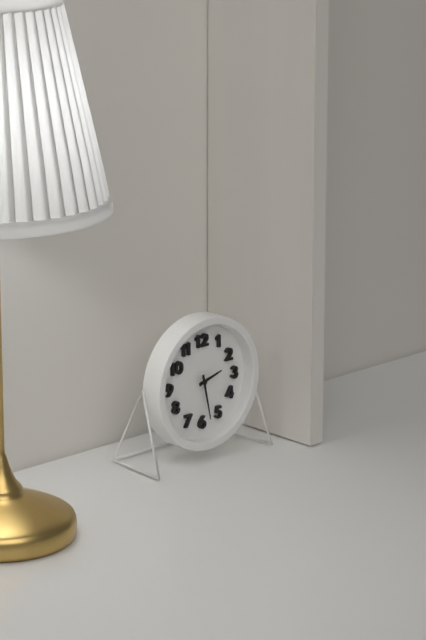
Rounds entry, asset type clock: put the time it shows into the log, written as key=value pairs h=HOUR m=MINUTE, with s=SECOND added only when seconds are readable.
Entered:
h=2 m=28
